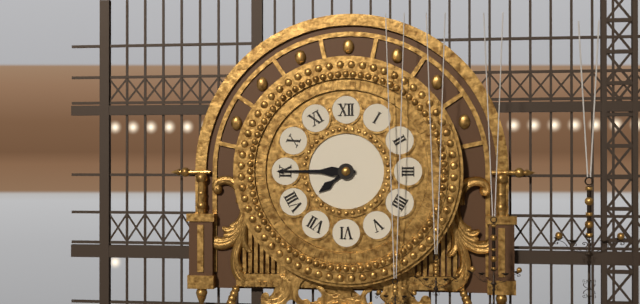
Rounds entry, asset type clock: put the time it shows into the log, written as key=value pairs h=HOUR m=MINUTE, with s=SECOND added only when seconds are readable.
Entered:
h=7 m=45
